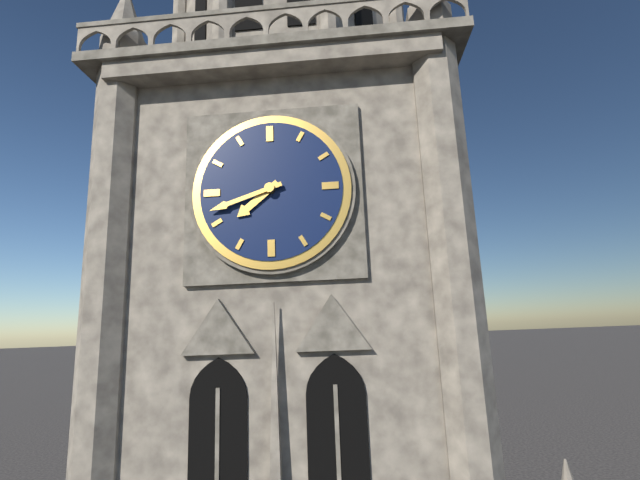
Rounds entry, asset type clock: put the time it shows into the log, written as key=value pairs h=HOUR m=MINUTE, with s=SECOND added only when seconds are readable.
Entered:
h=7 m=42
